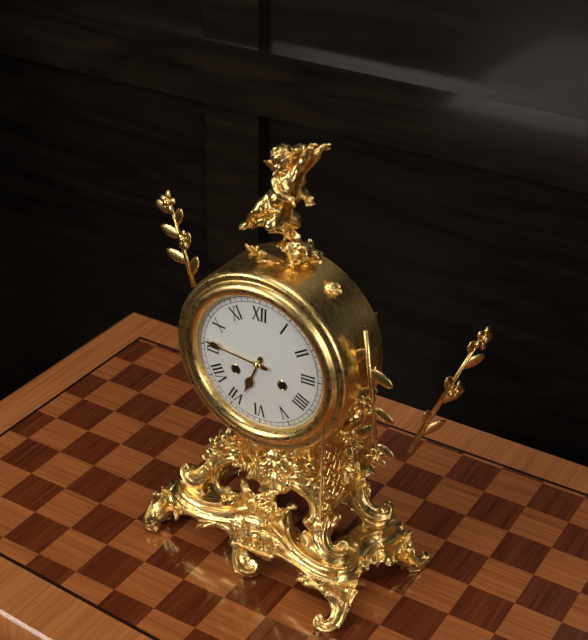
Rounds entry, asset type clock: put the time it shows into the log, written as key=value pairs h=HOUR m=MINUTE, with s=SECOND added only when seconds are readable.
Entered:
h=6 m=46
